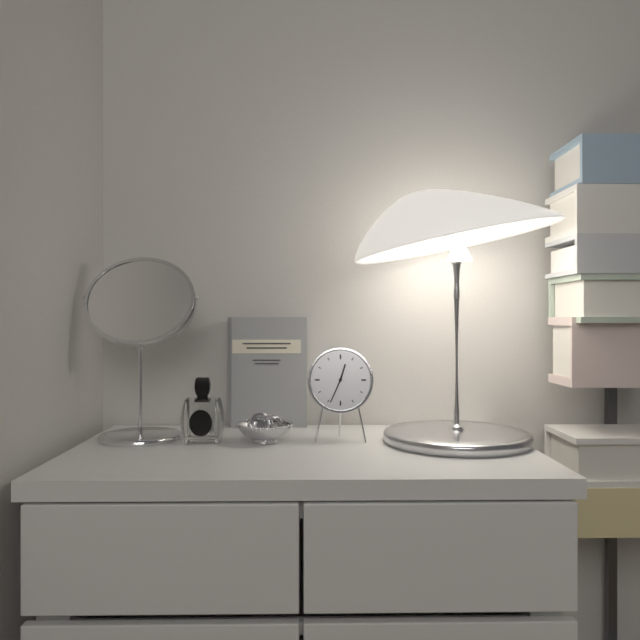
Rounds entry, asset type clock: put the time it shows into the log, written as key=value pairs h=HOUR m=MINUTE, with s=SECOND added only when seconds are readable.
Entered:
h=12 m=34
